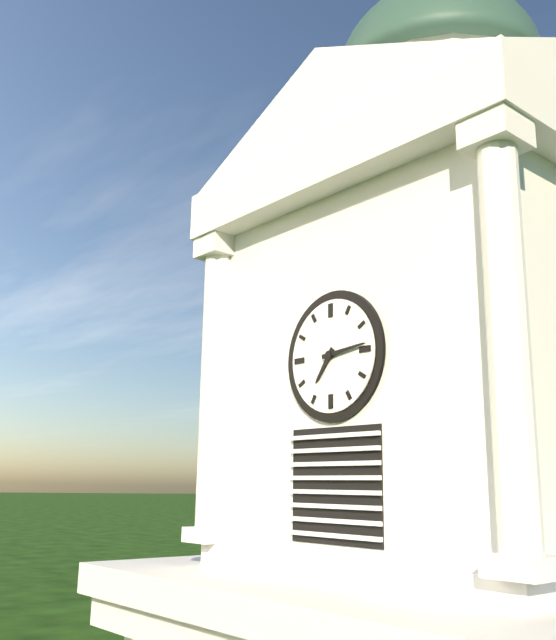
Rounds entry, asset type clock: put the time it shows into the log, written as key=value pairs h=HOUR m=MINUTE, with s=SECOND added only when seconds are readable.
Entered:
h=7 m=14
